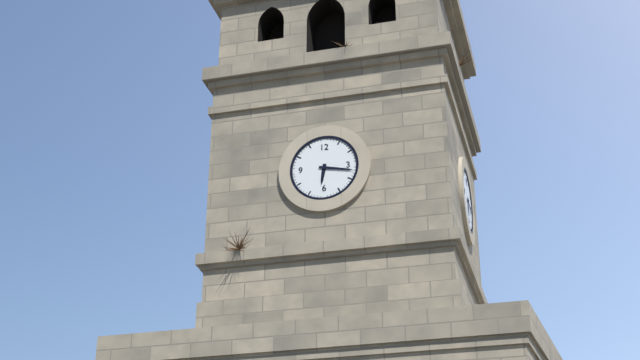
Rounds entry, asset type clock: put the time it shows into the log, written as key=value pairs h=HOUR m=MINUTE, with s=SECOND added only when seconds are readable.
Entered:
h=6 m=17
